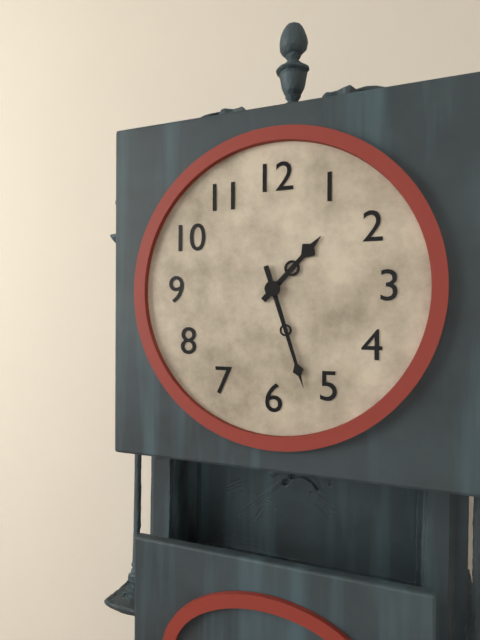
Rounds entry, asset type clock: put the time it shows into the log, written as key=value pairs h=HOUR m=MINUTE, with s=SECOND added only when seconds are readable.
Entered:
h=1 m=27
